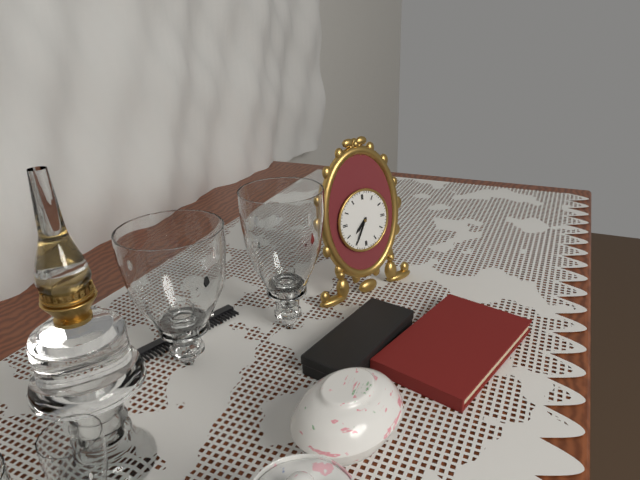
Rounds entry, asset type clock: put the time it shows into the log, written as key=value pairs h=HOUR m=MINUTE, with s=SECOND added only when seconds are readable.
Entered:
h=7 m=35
